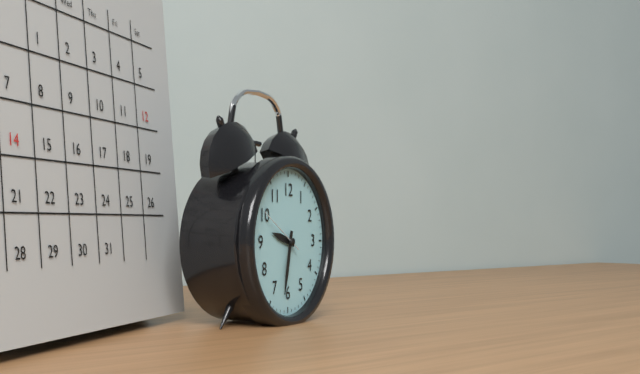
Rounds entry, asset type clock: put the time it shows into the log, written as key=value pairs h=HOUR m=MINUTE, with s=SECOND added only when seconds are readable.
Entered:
h=9 m=32
